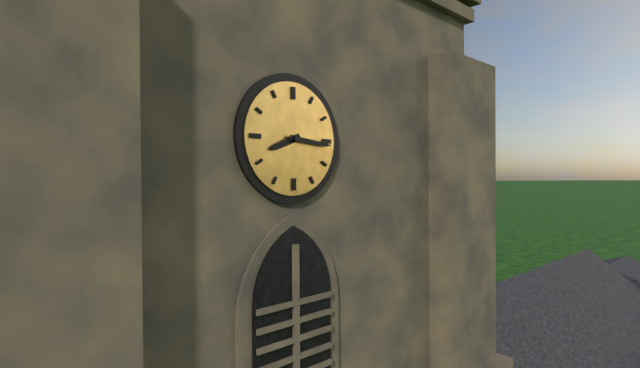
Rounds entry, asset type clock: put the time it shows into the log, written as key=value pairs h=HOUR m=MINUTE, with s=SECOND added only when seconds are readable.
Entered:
h=8 m=16
